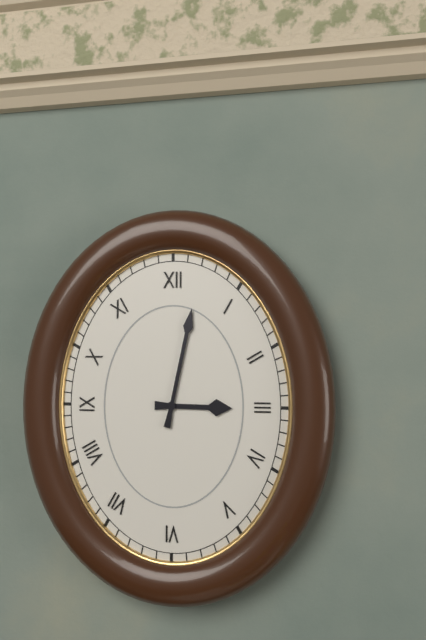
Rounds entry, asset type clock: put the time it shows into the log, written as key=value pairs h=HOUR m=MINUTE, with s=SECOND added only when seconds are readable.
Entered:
h=3 m=2
